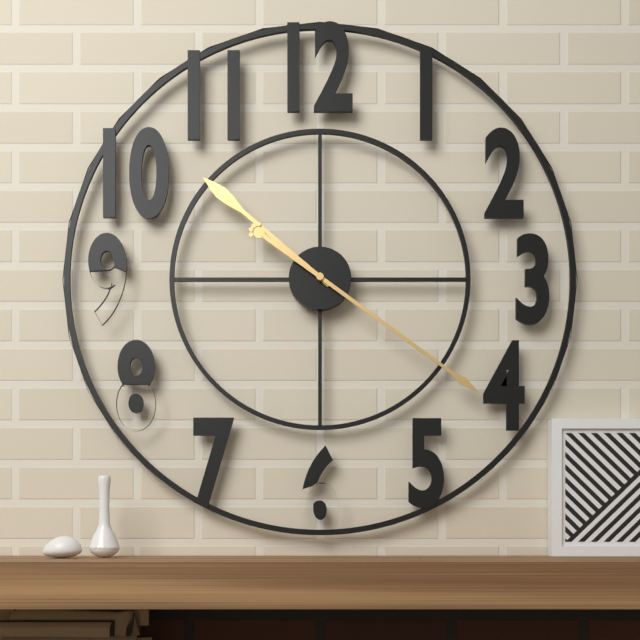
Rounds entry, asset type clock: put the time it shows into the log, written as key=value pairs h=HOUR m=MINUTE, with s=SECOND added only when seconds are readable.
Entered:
h=10 m=21
